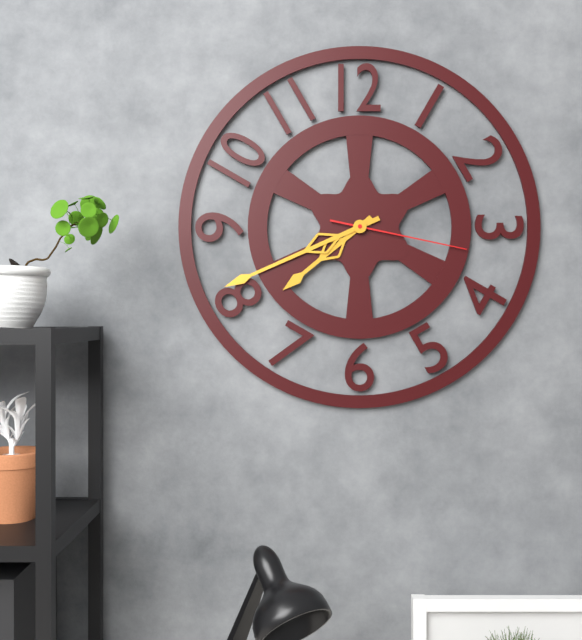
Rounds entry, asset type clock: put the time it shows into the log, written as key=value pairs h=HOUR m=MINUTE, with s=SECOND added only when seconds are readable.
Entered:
h=7 m=41 s=17
